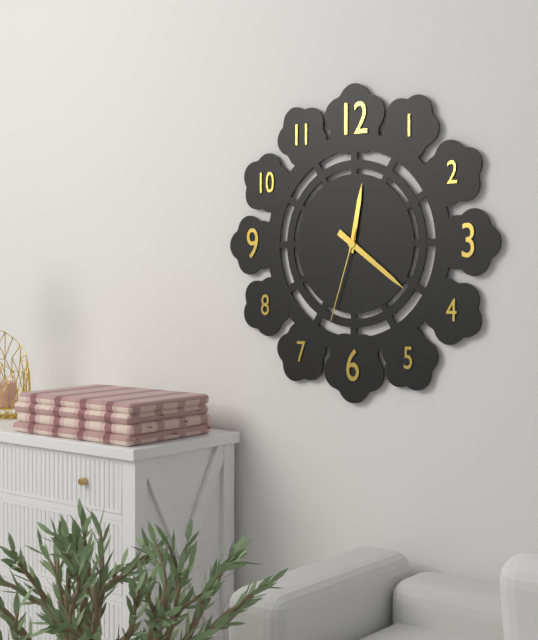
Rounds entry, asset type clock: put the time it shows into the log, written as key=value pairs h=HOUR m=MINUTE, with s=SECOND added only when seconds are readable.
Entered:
h=12 m=21 s=33
